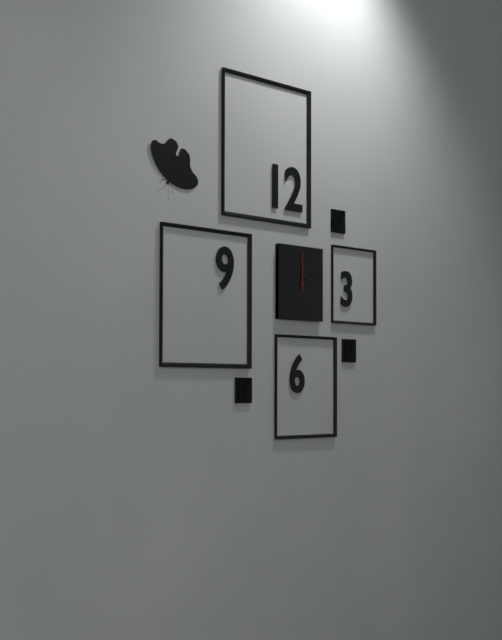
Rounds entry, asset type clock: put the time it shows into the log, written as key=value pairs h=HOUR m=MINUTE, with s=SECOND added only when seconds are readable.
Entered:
h=12 m=11
